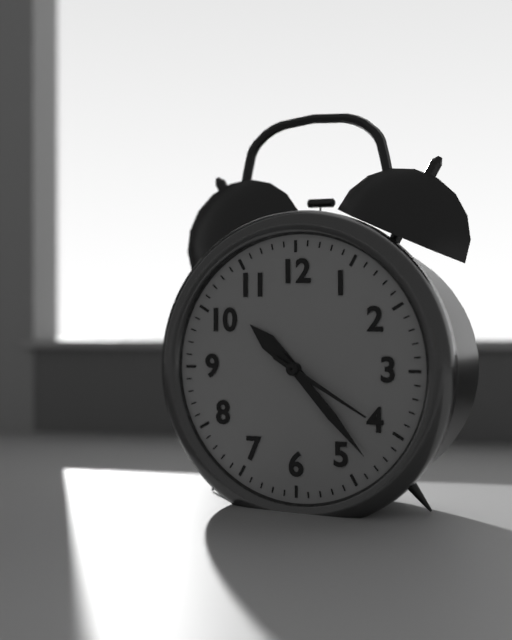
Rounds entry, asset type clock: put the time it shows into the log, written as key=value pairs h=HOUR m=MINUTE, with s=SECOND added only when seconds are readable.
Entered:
h=10 m=23 s=20
